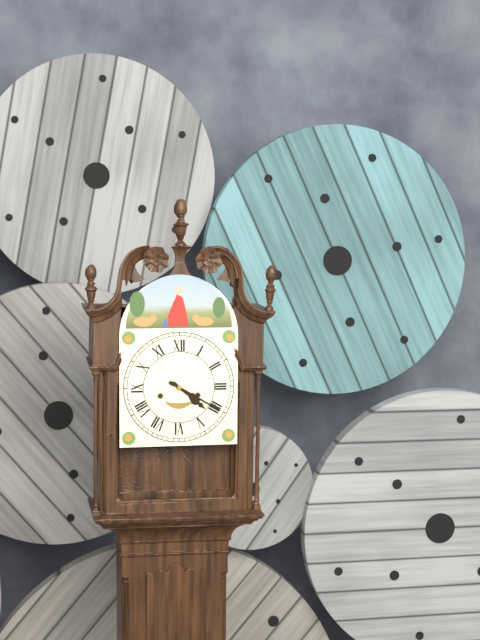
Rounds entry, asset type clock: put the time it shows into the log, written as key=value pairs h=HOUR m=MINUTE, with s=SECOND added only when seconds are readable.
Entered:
h=4 m=20
